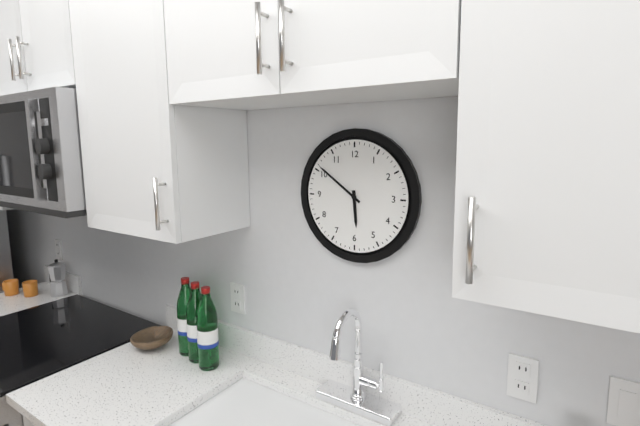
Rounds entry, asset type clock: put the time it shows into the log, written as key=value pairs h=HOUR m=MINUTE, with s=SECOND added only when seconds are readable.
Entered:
h=5 m=51
